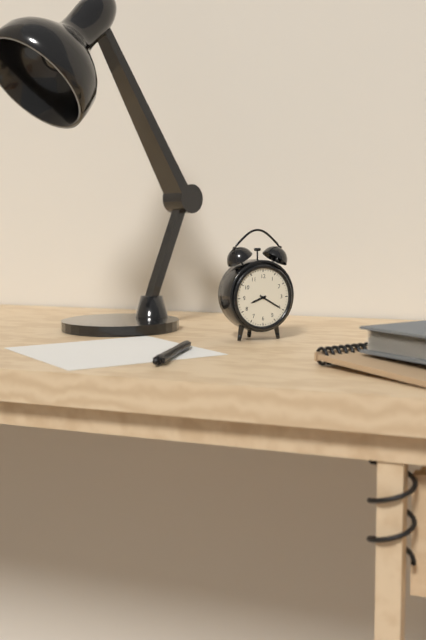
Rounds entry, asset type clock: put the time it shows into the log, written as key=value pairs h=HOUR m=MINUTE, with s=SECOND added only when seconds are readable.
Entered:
h=8 m=20
